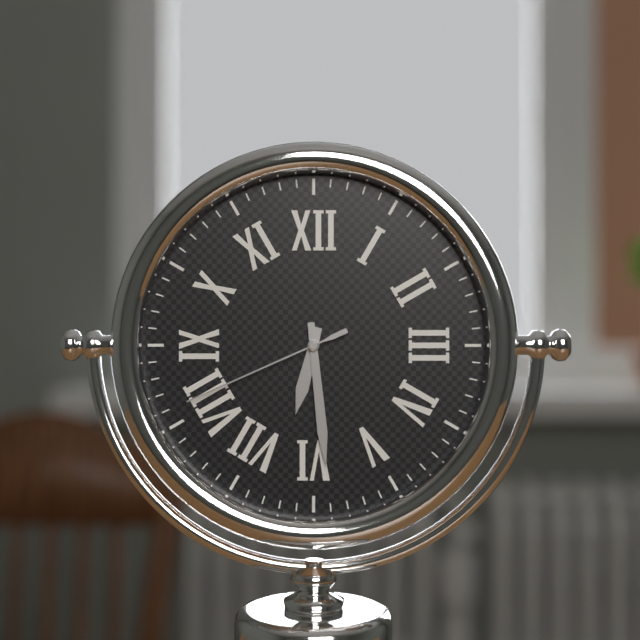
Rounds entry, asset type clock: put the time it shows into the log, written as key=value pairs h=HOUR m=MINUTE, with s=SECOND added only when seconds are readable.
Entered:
h=6 m=29 s=41
